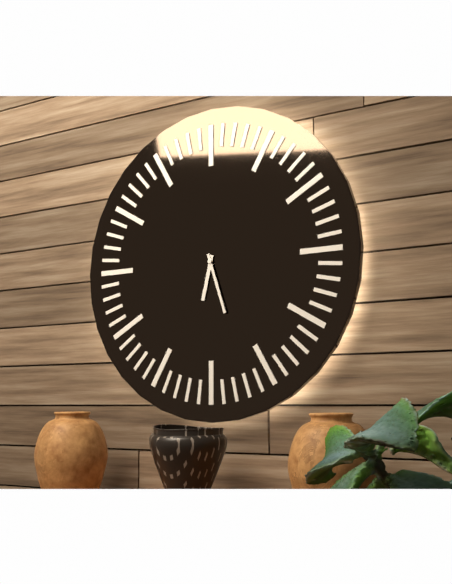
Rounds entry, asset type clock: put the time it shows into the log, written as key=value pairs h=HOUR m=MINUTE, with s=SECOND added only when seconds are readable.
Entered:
h=6 m=27
